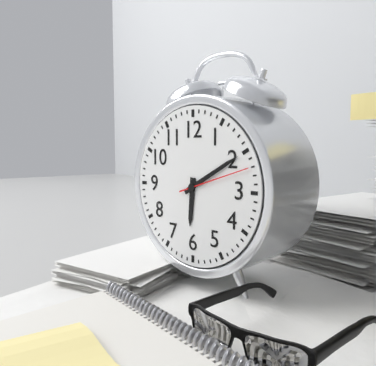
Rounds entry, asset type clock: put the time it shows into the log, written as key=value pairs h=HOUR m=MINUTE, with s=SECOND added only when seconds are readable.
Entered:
h=6 m=10 s=12
